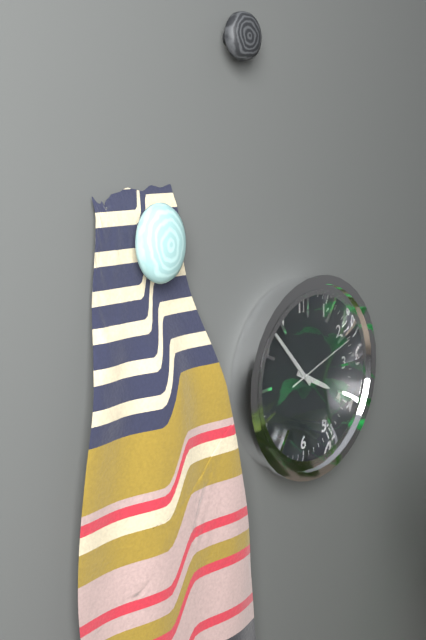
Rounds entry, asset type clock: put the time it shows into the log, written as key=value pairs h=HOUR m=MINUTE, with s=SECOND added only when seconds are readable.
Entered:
h=3 m=53 s=12
